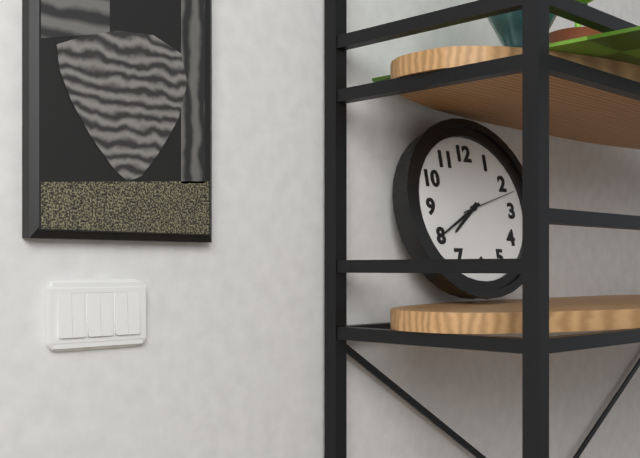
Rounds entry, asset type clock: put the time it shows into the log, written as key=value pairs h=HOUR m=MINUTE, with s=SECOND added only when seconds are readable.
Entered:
h=7 m=40 s=12
